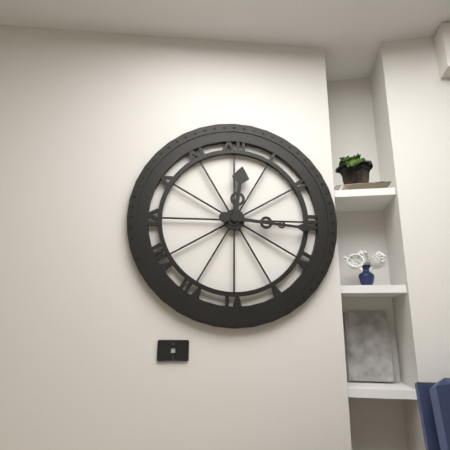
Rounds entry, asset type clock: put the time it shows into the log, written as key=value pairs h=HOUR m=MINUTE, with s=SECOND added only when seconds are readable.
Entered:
h=12 m=16
